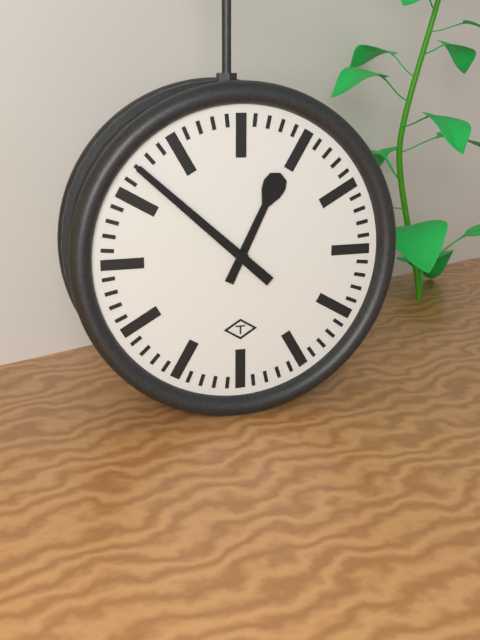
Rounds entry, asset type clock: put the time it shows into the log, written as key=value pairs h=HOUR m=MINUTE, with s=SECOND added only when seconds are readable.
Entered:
h=12 m=52
